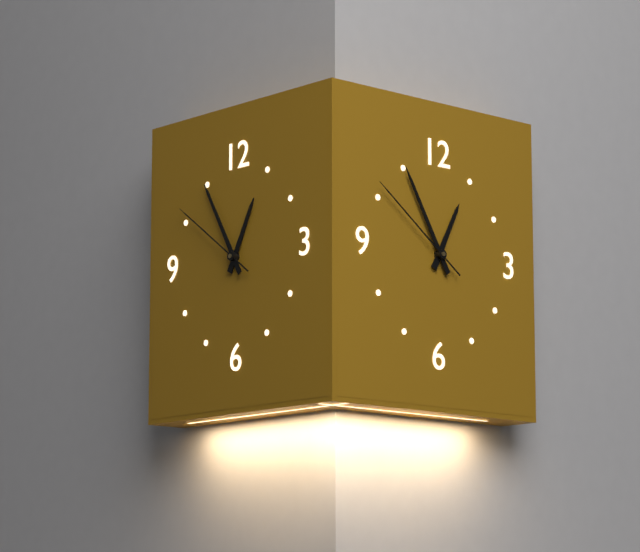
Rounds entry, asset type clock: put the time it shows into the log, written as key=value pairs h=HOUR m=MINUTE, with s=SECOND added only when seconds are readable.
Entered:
h=12 m=55 s=51
